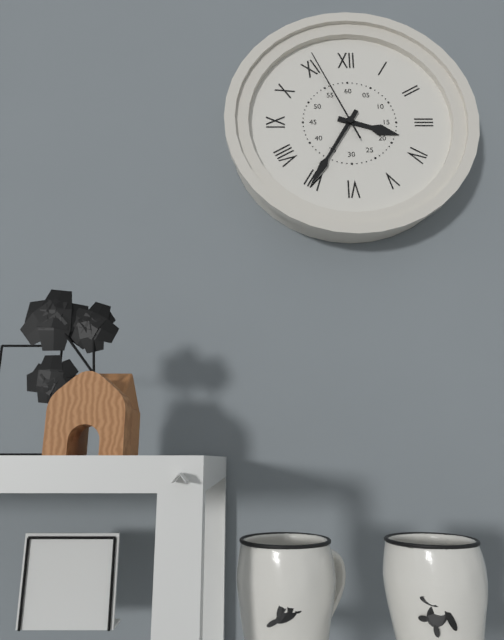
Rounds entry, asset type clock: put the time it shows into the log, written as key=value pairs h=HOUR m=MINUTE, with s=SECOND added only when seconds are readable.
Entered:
h=3 m=35 s=56
